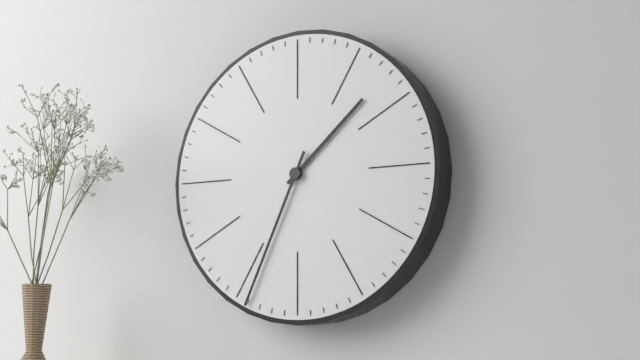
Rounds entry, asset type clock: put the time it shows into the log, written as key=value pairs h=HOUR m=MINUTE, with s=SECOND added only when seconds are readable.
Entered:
h=1 m=34
